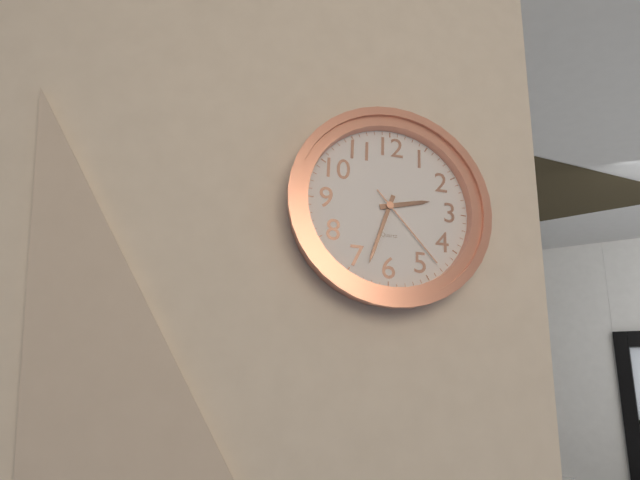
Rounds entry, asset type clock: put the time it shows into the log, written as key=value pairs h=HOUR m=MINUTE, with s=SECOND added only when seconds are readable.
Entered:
h=2 m=33 s=23
